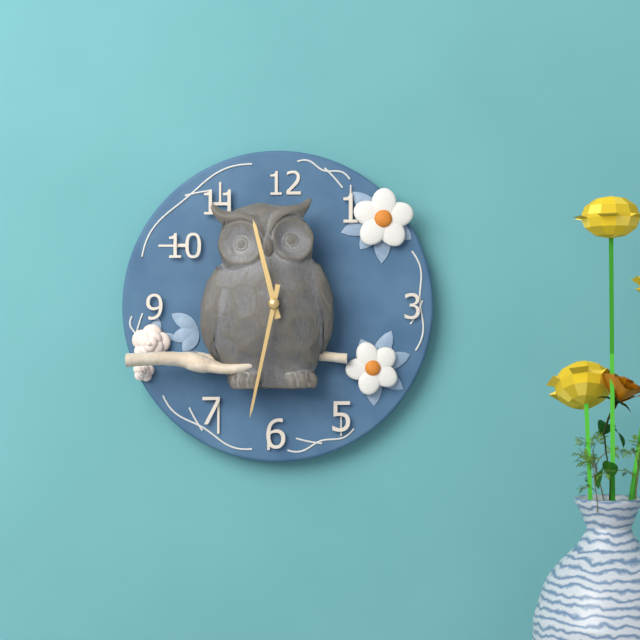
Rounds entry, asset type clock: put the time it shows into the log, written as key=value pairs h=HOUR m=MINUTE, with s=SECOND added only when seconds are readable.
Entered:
h=11 m=32
